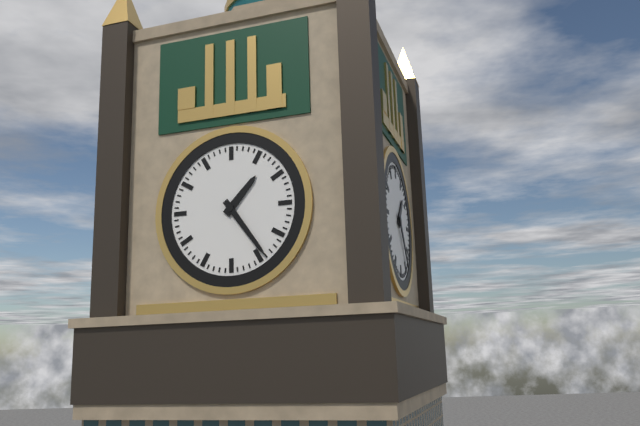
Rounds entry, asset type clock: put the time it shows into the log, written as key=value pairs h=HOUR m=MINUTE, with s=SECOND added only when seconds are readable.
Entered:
h=1 m=24
